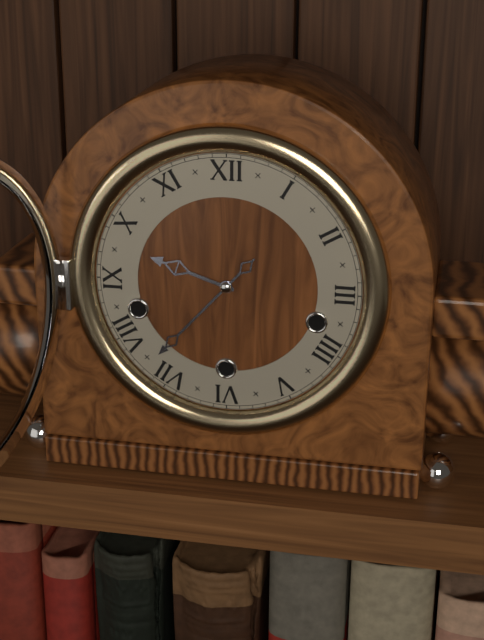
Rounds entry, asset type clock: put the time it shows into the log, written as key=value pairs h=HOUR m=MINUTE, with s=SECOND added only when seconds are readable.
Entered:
h=9 m=37
